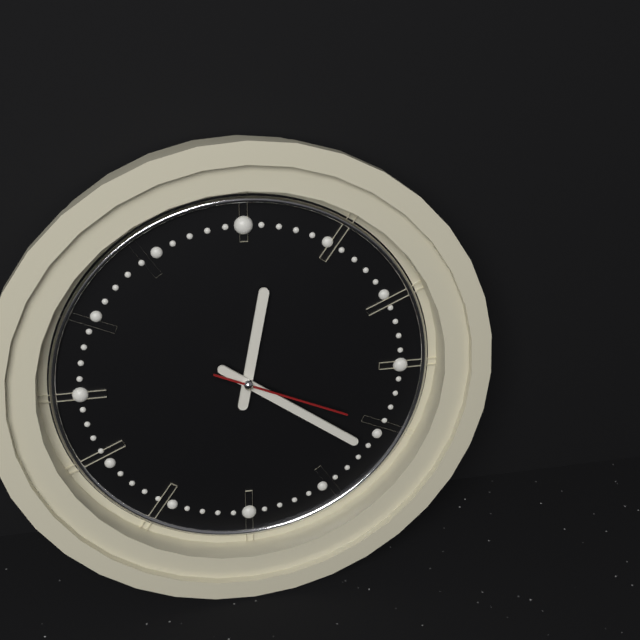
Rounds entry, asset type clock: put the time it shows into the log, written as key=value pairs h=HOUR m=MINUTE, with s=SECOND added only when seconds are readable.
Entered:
h=12 m=21 s=19
